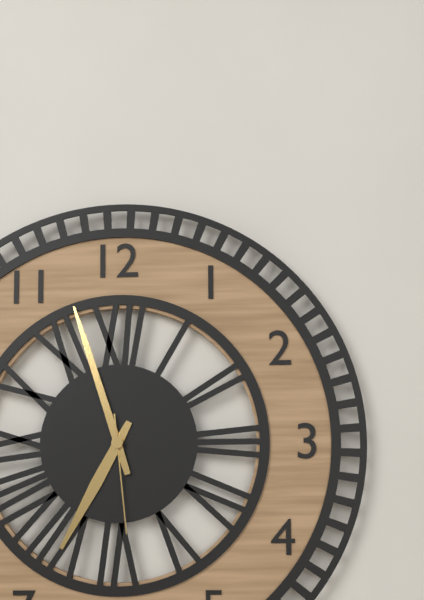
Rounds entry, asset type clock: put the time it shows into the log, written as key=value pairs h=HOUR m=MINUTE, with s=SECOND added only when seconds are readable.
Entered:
h=6 m=57 s=29
